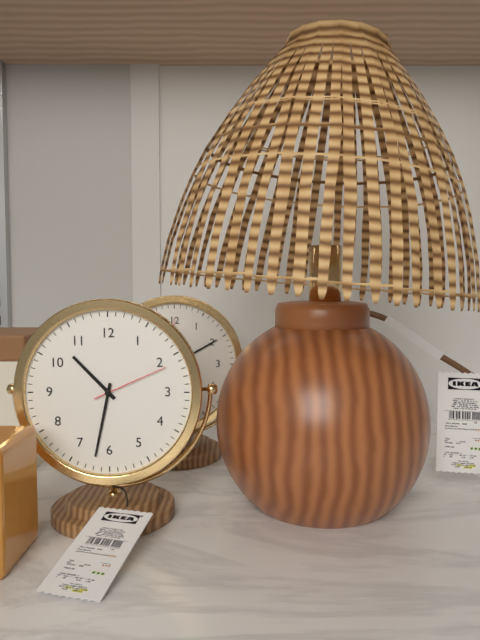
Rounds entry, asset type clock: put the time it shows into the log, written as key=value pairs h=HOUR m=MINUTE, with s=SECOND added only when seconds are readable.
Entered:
h=10 m=32 s=11
